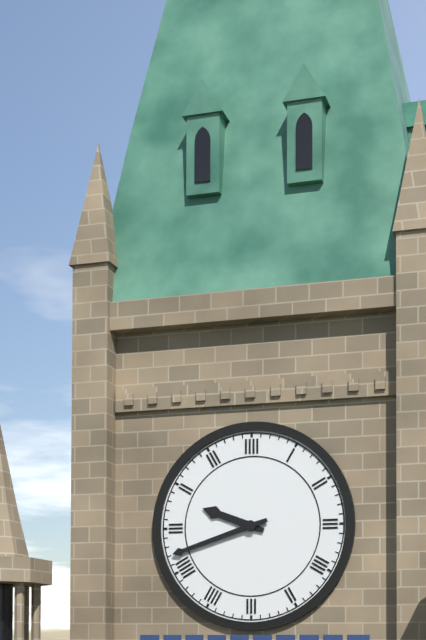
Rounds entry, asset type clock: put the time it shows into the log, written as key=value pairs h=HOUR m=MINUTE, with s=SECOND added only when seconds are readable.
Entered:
h=9 m=42
